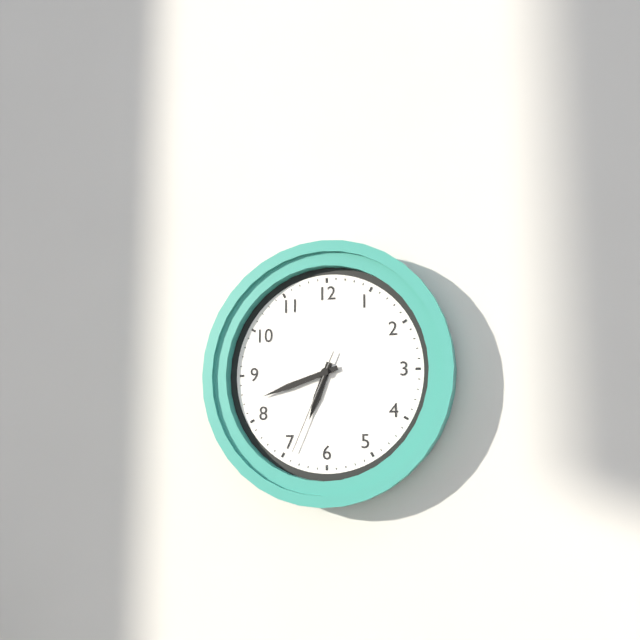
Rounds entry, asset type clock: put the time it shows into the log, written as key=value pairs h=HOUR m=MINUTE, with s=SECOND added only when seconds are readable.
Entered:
h=6 m=42 s=34
